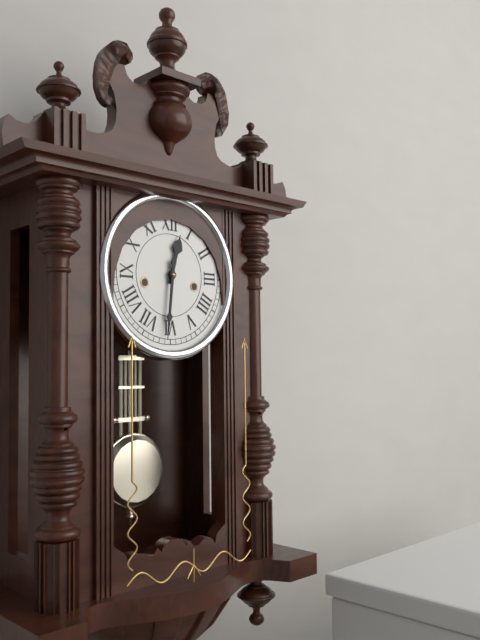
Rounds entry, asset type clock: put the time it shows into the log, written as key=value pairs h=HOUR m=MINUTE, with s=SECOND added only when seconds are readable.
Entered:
h=12 m=31
